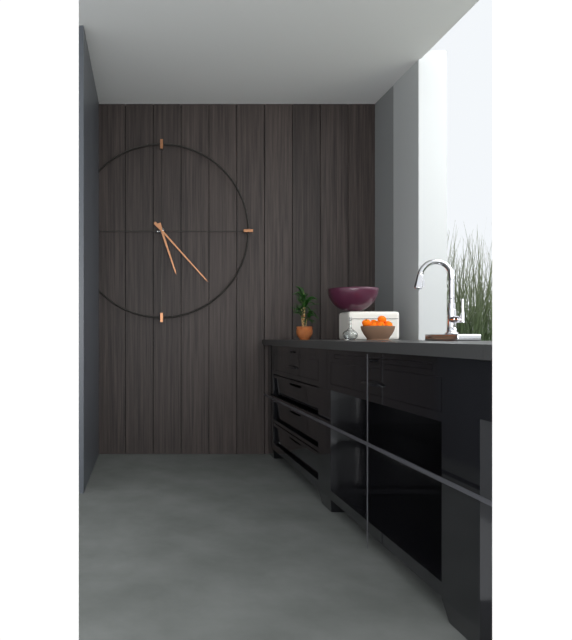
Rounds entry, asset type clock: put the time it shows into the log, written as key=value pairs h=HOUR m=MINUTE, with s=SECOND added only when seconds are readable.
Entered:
h=5 m=23
